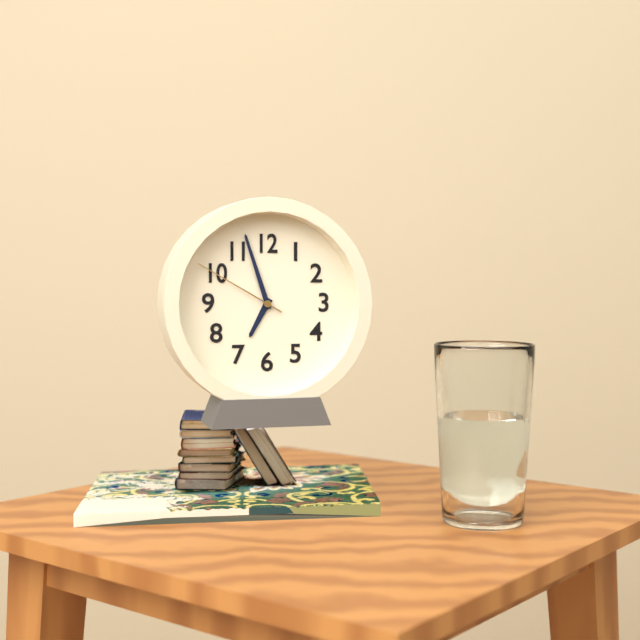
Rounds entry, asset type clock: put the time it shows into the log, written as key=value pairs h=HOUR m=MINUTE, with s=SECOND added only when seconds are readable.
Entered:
h=6 m=57 s=50
